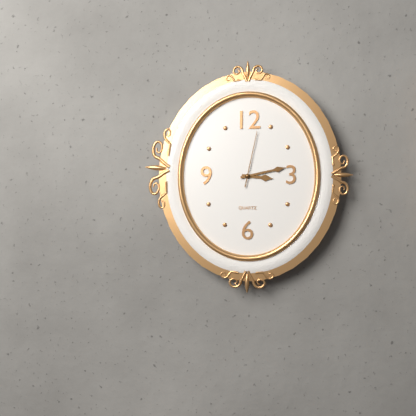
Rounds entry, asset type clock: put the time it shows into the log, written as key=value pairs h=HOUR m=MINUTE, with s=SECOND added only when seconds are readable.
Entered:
h=3 m=13 s=2
